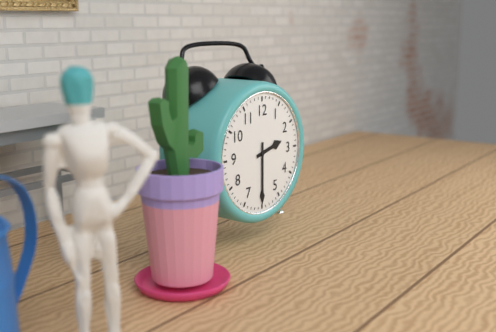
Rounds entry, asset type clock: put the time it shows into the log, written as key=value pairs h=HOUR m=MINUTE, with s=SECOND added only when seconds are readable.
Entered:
h=2 m=30
